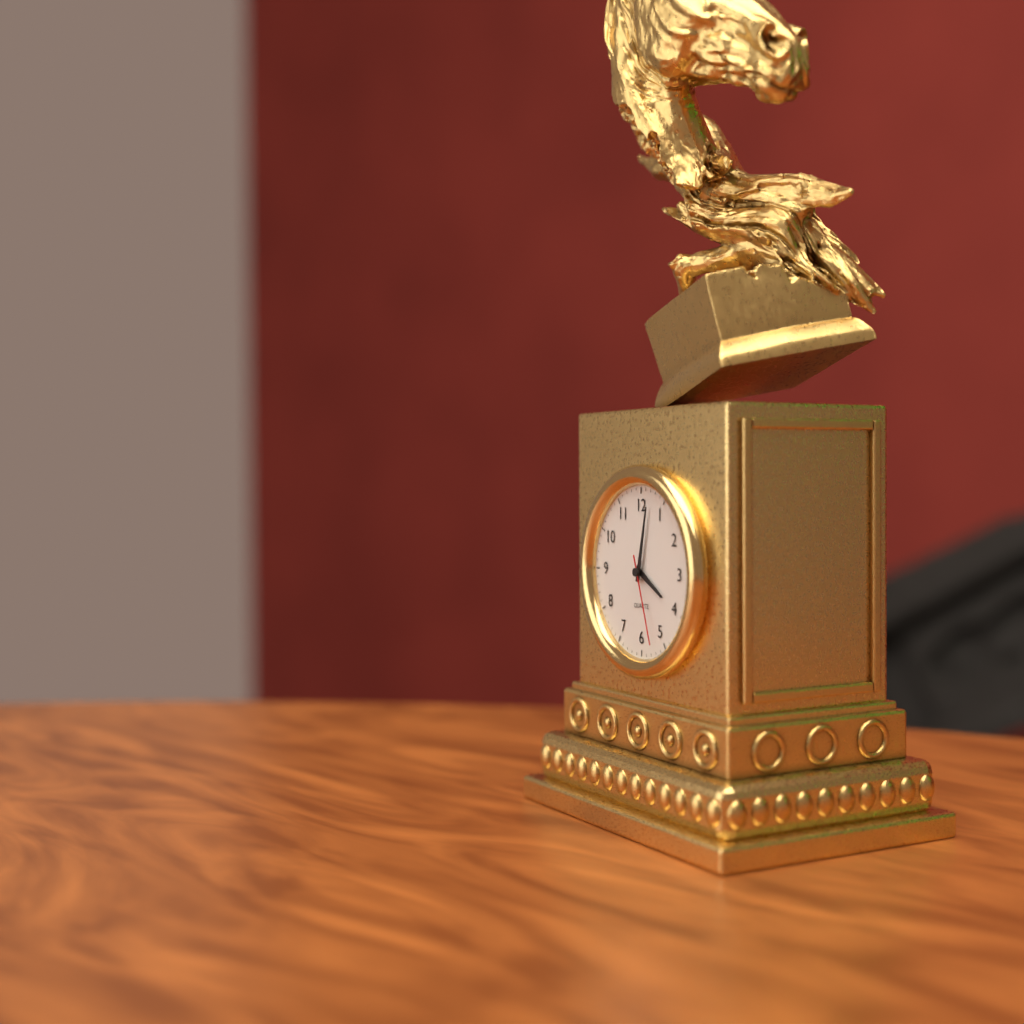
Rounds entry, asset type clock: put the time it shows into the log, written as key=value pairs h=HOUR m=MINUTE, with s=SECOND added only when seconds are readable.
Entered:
h=4 m=2 s=27
